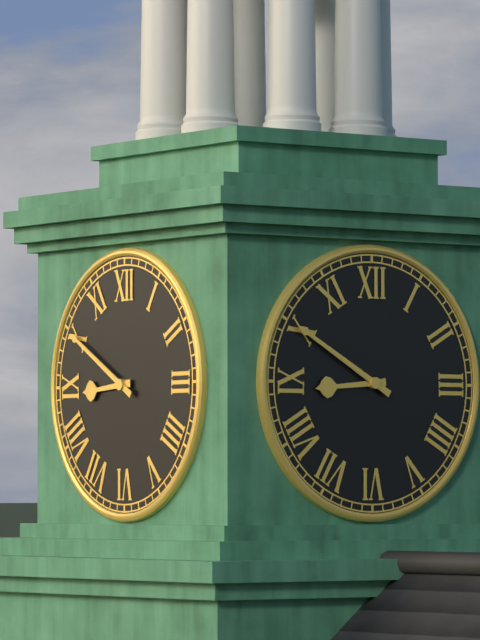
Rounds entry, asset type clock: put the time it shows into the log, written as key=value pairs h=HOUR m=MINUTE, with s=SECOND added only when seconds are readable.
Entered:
h=8 m=50
